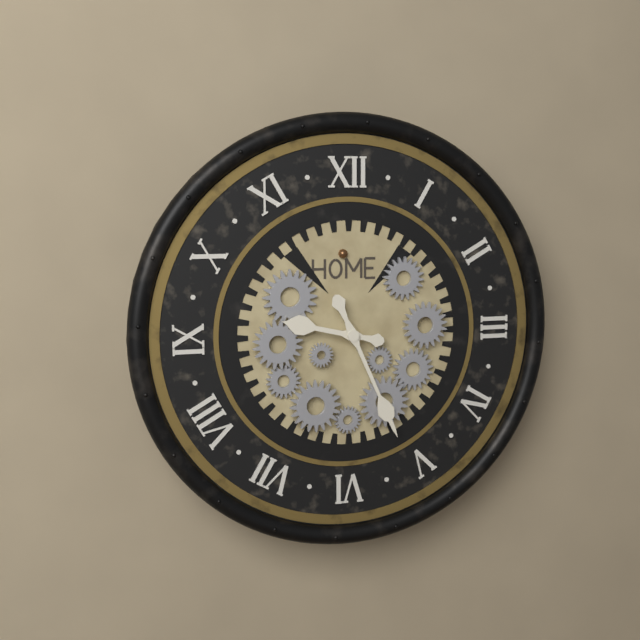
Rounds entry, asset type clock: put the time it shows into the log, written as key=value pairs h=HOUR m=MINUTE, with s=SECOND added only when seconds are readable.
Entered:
h=9 m=26
